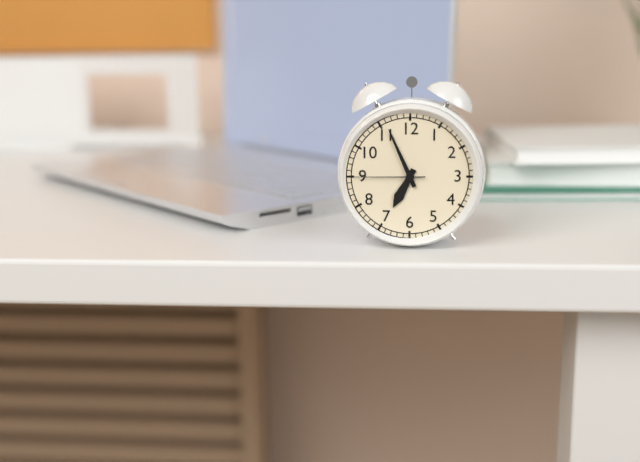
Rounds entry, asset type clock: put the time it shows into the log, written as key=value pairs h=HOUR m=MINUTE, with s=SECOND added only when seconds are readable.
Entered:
h=6 m=56 s=45
